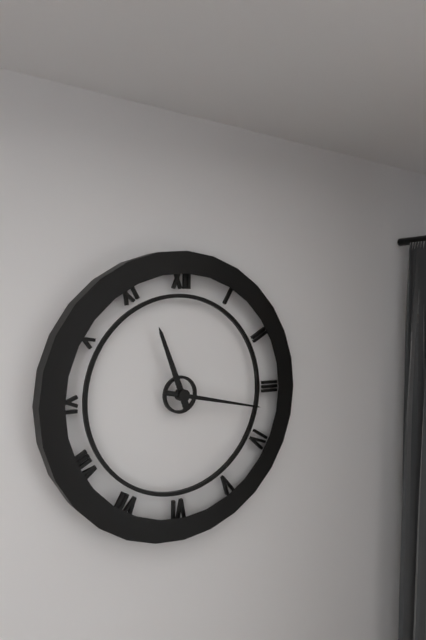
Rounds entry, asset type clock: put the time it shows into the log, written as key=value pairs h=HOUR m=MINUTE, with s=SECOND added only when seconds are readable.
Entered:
h=11 m=17
